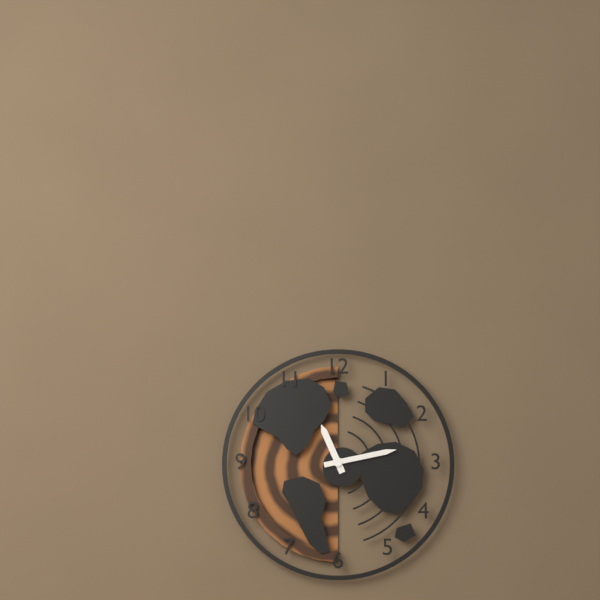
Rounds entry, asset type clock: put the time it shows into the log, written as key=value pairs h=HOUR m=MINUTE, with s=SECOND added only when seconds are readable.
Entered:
h=11 m=13
